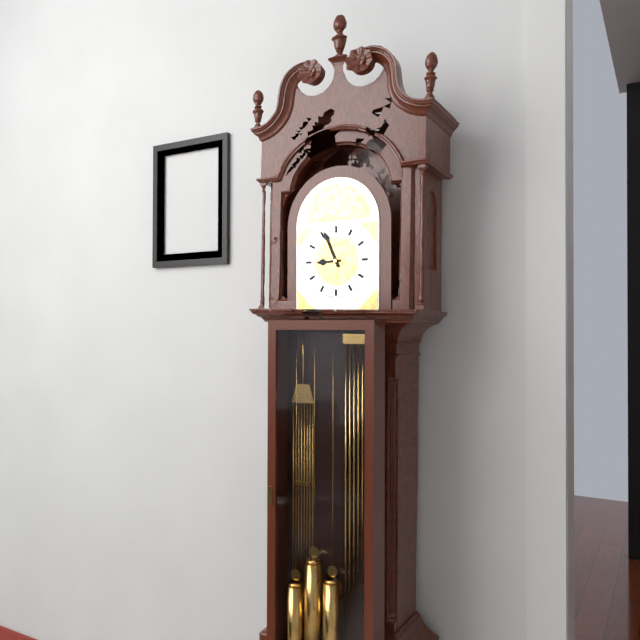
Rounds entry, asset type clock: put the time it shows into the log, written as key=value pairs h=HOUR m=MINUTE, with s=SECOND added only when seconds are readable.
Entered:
h=8 m=56
